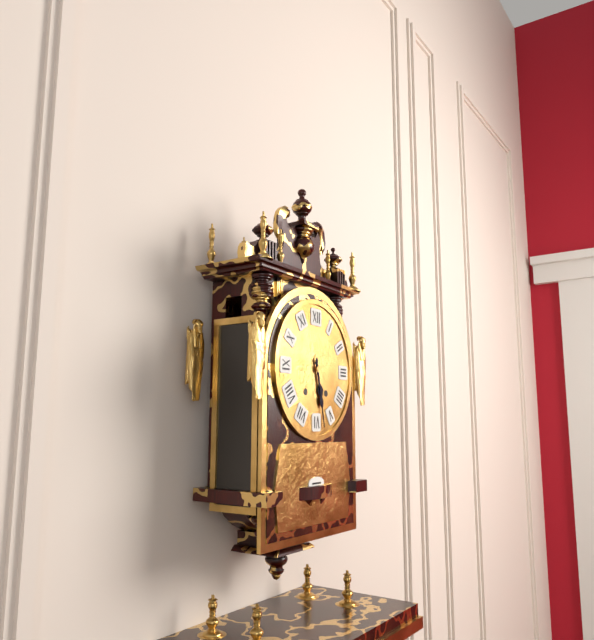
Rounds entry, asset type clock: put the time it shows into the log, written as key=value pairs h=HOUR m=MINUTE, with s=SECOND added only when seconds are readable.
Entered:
h=5 m=28
